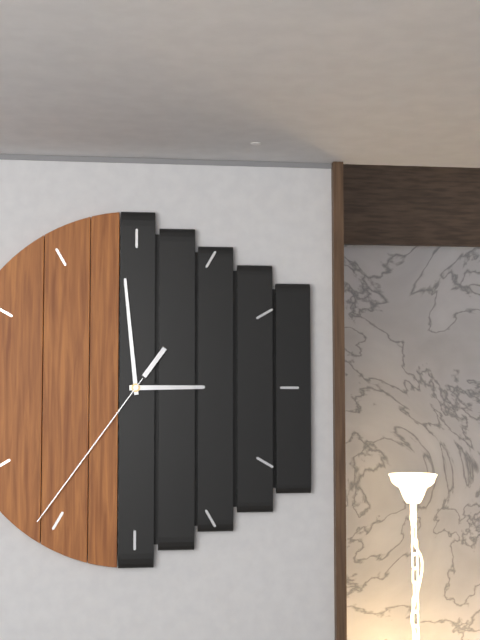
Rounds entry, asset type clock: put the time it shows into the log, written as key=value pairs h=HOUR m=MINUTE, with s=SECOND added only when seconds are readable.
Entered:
h=2 m=59 s=36
